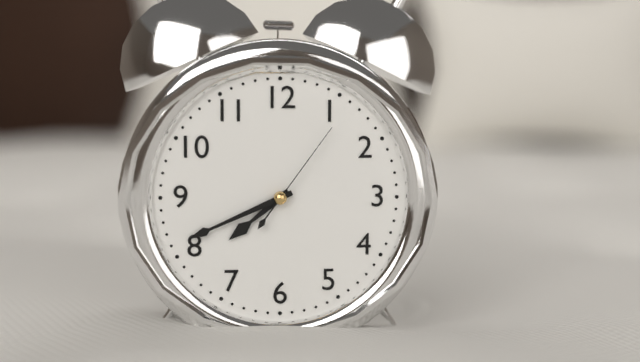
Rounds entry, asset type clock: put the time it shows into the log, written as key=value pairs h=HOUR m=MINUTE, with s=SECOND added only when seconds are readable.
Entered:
h=7 m=41 s=6
